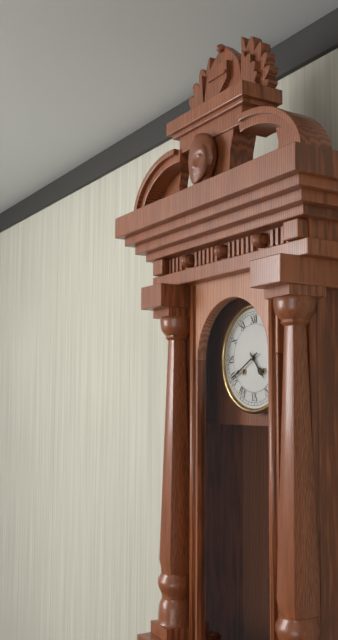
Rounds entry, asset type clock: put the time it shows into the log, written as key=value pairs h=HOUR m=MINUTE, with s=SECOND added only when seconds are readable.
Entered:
h=4 m=40
